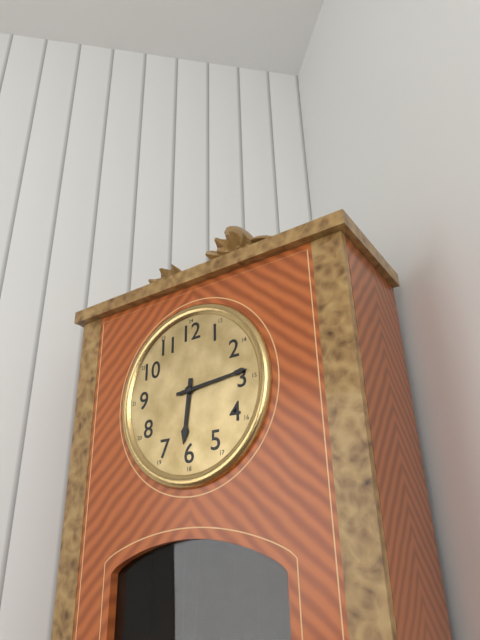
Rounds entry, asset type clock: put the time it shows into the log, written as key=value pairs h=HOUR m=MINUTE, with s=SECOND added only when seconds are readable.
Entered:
h=6 m=14
